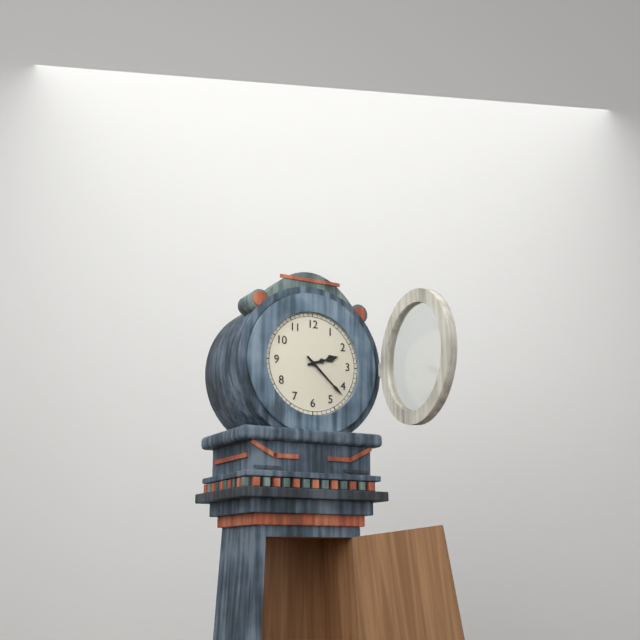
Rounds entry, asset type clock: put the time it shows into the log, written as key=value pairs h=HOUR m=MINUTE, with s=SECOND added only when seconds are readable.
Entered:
h=2 m=22
